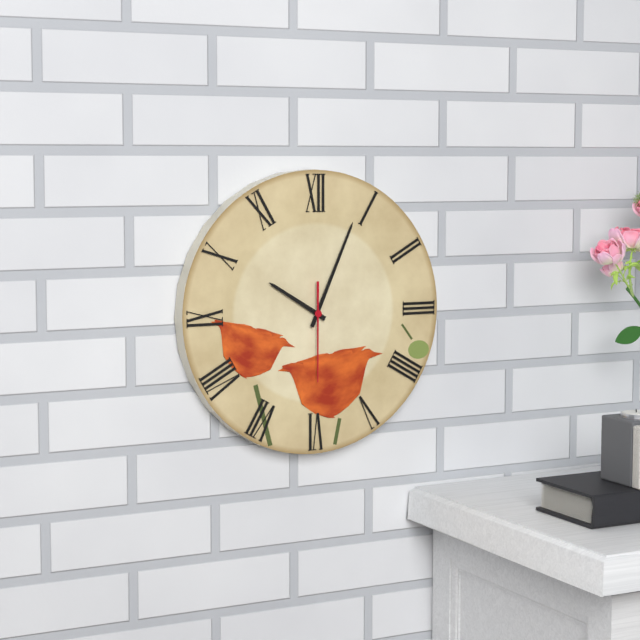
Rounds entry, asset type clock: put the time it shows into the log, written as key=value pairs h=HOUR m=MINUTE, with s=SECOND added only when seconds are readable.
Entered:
h=10 m=4 s=30
